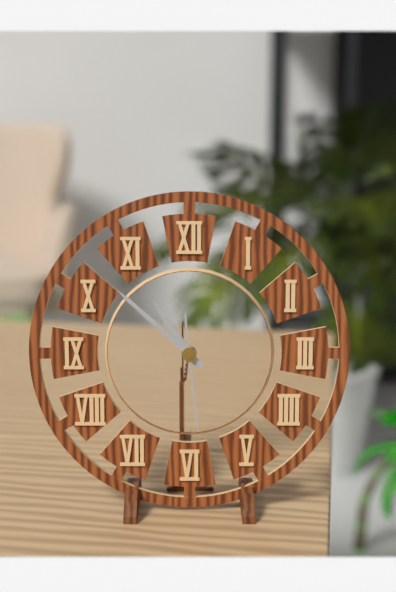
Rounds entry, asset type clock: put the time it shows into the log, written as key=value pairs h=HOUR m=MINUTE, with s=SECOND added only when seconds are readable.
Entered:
h=10 m=52 s=29
